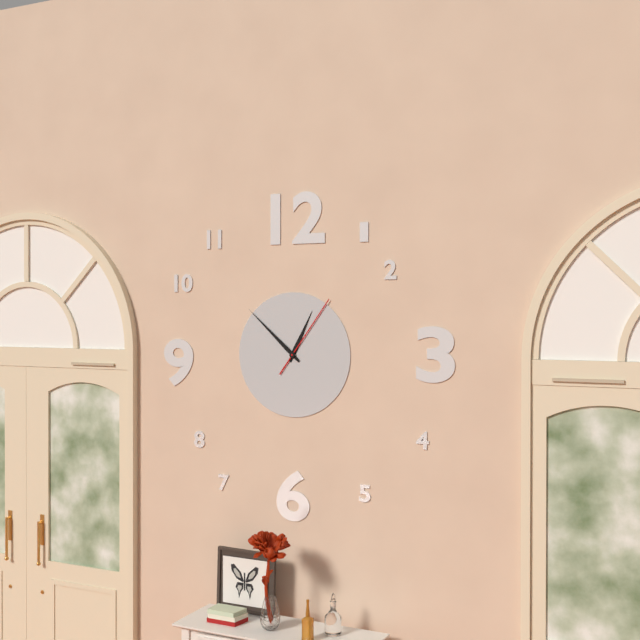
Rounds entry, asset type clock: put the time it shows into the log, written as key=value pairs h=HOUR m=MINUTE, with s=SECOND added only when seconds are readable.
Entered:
h=12 m=52 s=6
